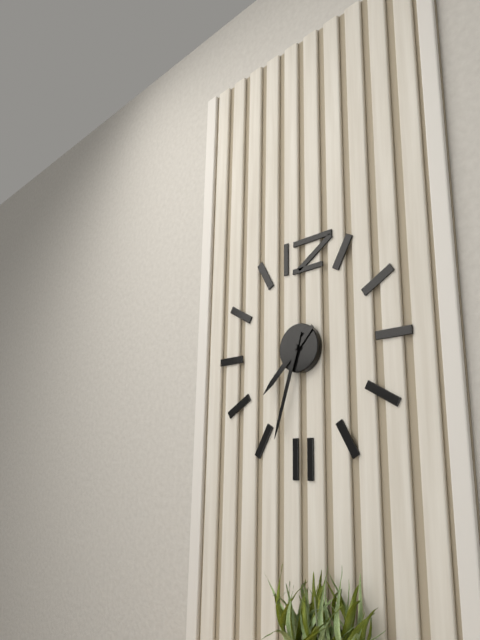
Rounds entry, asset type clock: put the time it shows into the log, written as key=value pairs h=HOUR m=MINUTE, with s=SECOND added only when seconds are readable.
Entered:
h=7 m=33
